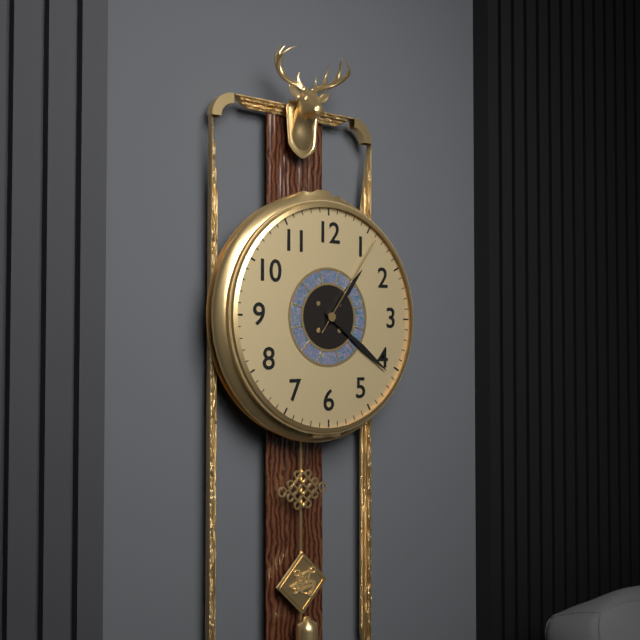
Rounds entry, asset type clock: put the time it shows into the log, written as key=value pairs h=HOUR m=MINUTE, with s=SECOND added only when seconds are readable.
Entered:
h=1 m=21 s=6
